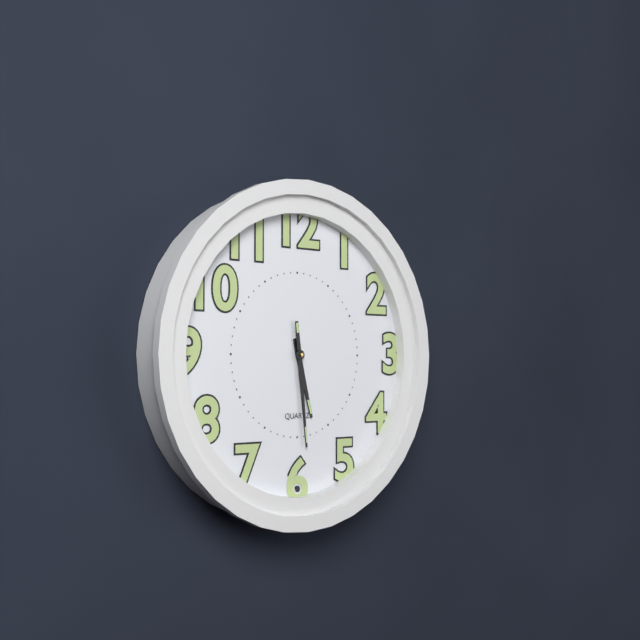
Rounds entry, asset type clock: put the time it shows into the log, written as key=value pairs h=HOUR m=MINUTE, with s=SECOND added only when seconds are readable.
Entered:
h=5 m=29
